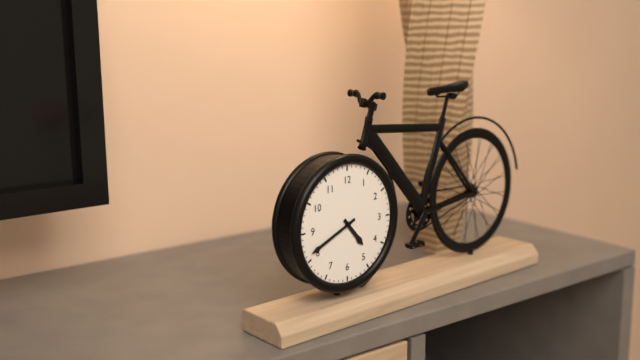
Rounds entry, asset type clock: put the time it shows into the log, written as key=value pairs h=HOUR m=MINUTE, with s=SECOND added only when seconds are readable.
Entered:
h=4 m=41
